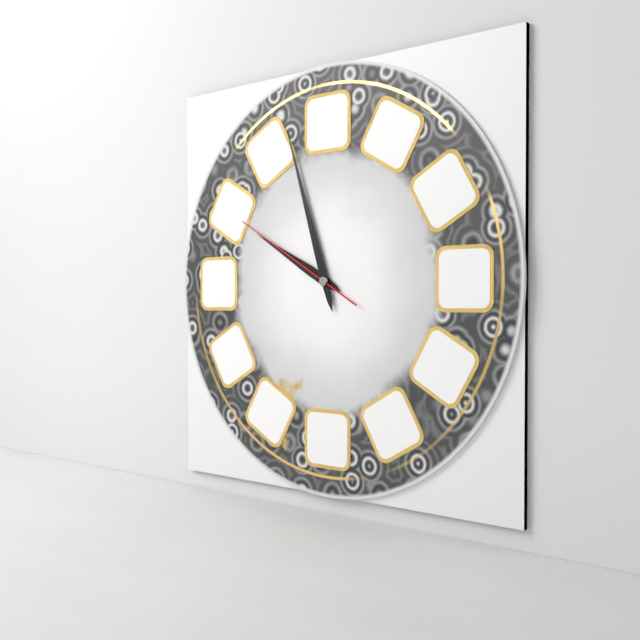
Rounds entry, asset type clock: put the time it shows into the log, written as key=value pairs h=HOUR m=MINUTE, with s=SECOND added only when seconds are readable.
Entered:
h=9 m=57 s=50
